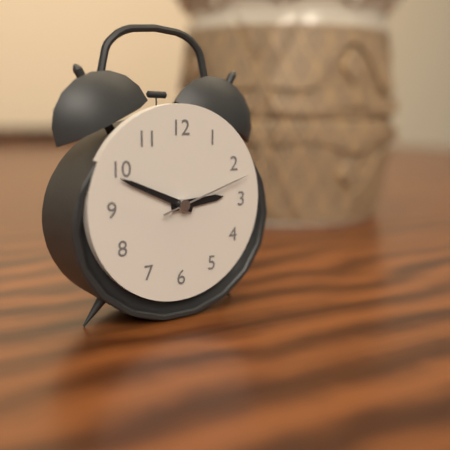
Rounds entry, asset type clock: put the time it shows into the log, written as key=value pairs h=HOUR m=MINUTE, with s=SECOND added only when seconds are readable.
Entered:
h=2 m=49 s=12
